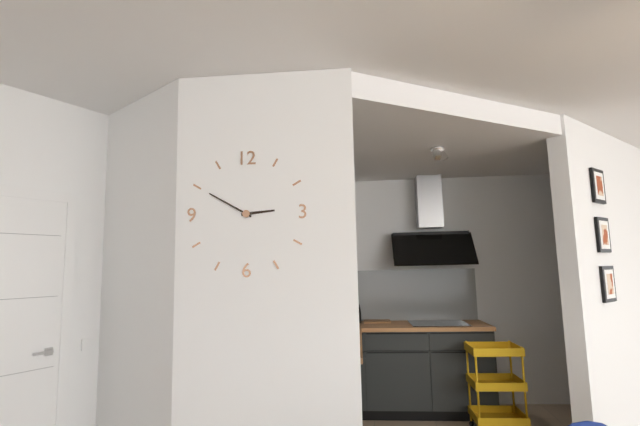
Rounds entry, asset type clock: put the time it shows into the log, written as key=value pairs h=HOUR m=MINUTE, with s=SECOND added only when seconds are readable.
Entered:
h=2 m=50
